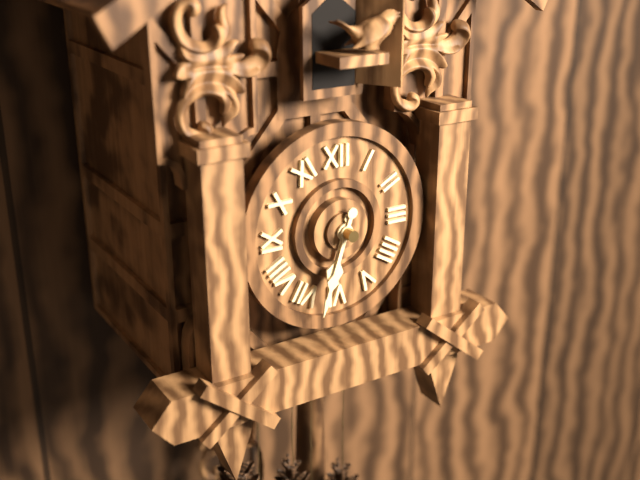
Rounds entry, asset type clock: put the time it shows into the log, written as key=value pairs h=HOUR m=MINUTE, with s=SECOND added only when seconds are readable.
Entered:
h=6 m=33
